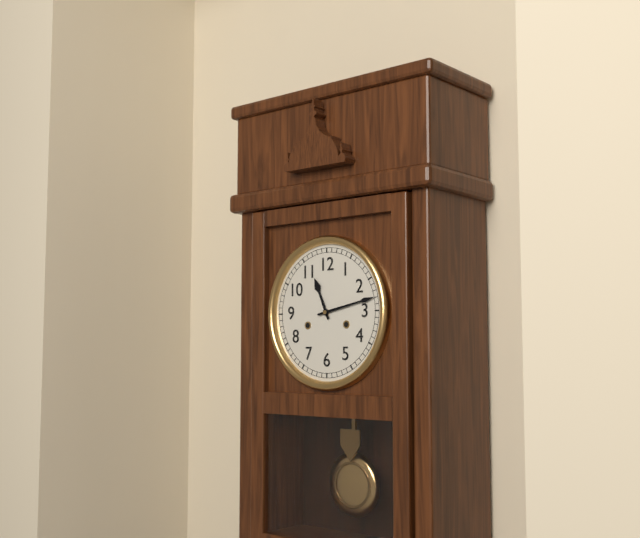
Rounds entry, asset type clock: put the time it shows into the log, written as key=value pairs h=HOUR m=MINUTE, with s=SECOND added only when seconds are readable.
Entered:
h=11 m=13
